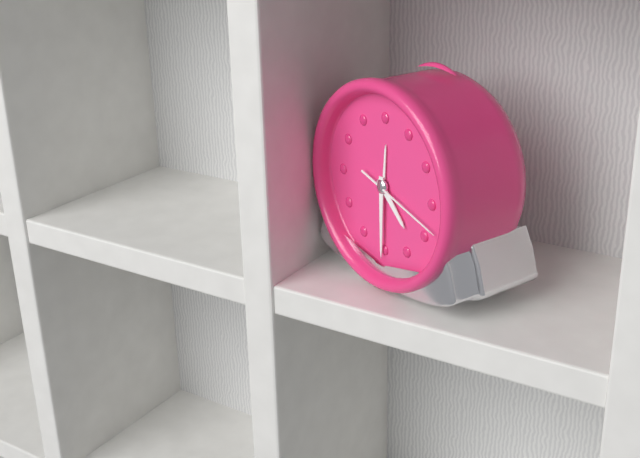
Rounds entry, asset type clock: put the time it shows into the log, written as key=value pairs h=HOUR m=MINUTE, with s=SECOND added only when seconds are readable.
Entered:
h=4 m=30 s=18
